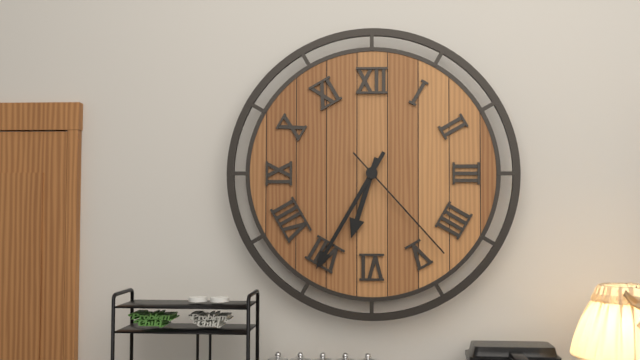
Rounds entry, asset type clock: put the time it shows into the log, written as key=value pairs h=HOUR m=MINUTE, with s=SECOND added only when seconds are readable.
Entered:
h=6 m=35 s=23
